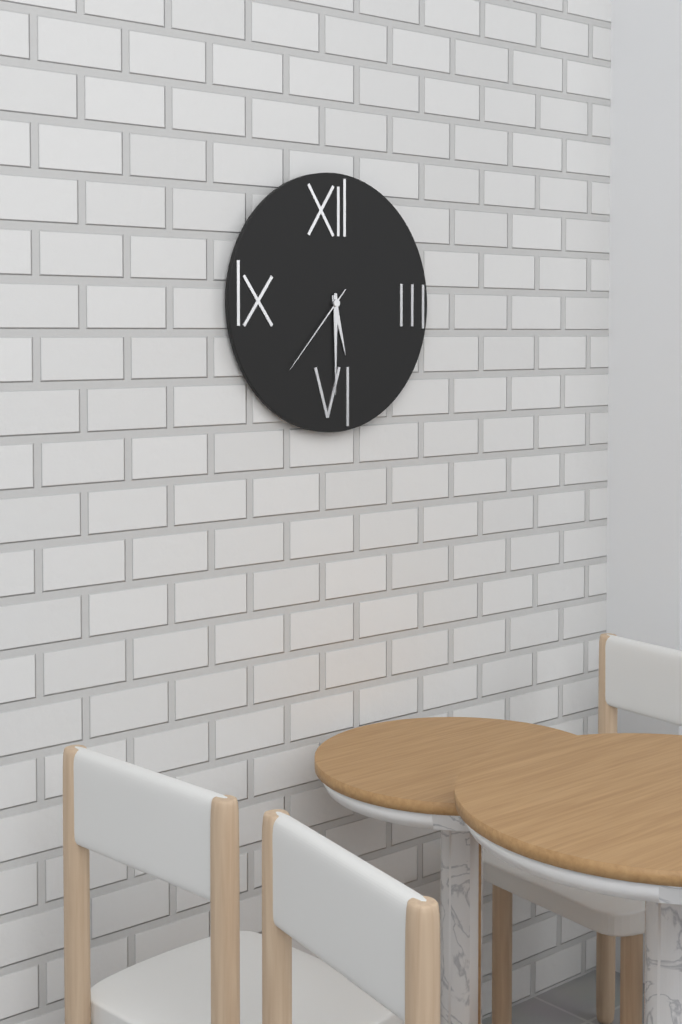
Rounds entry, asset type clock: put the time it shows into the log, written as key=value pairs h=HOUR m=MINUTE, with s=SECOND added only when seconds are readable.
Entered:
h=5 m=30 s=37
